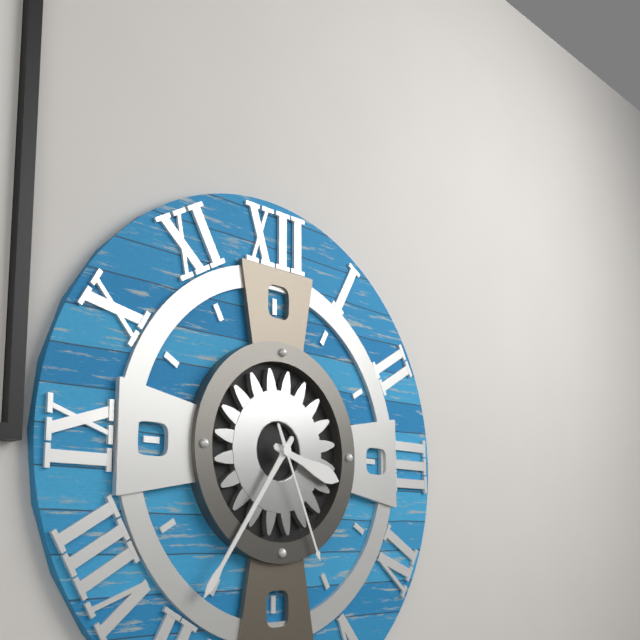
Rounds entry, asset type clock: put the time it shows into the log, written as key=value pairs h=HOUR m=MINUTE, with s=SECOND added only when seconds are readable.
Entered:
h=3 m=36 s=26
